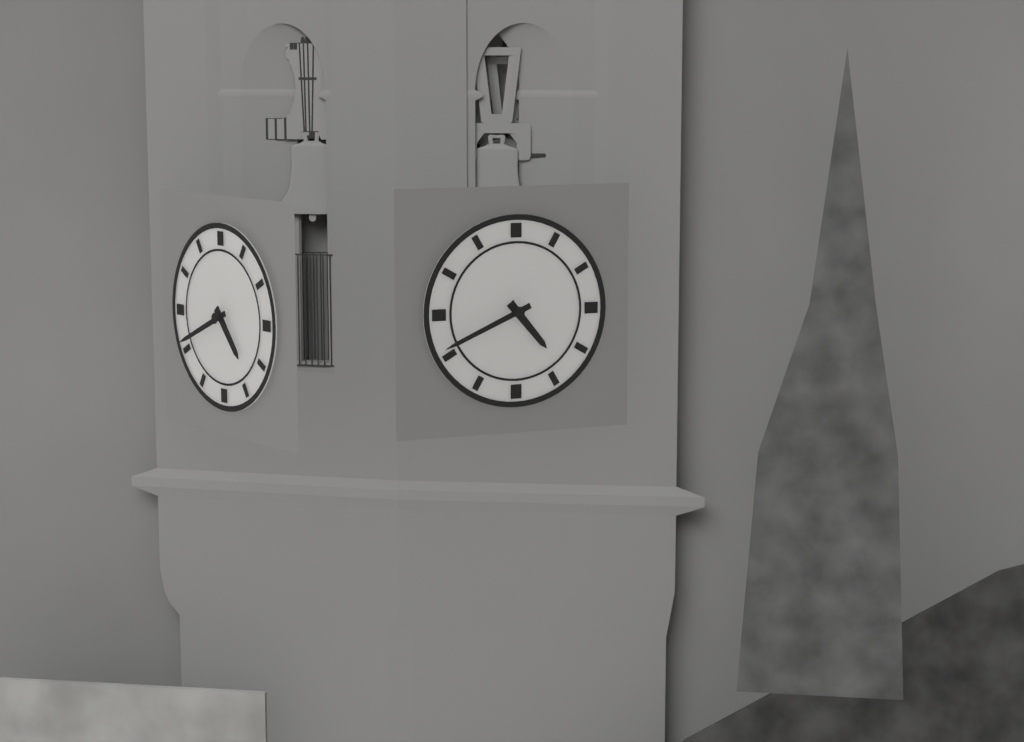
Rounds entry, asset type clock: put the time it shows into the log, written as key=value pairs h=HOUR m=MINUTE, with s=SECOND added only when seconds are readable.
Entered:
h=4 m=41
